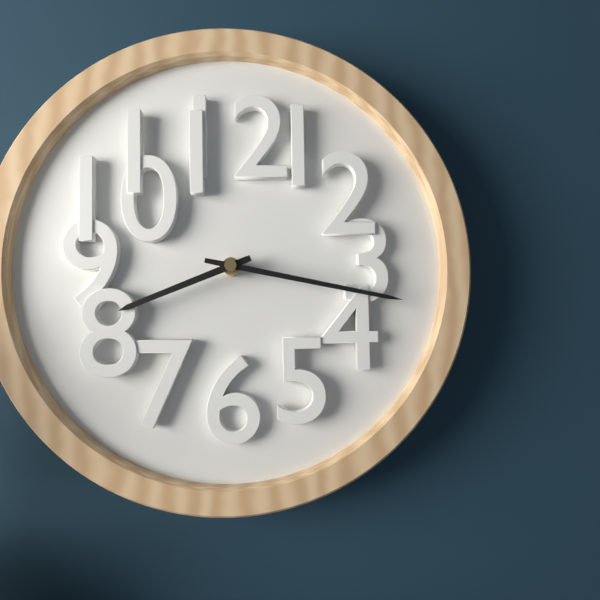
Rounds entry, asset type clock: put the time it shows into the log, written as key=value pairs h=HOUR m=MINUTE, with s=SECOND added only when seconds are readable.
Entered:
h=8 m=17
